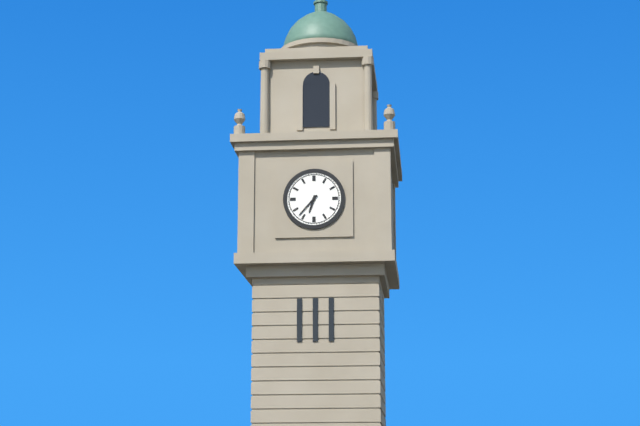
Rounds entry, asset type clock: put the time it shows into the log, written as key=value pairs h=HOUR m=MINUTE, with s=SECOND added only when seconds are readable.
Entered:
h=6 m=37
